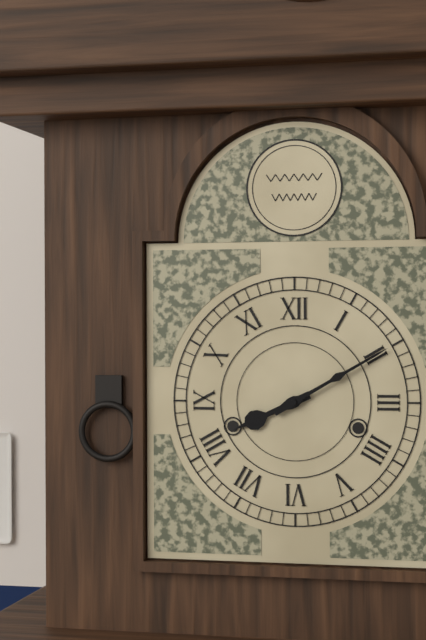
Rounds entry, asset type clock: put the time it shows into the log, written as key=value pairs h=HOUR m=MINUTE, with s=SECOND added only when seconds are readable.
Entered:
h=8 m=10
